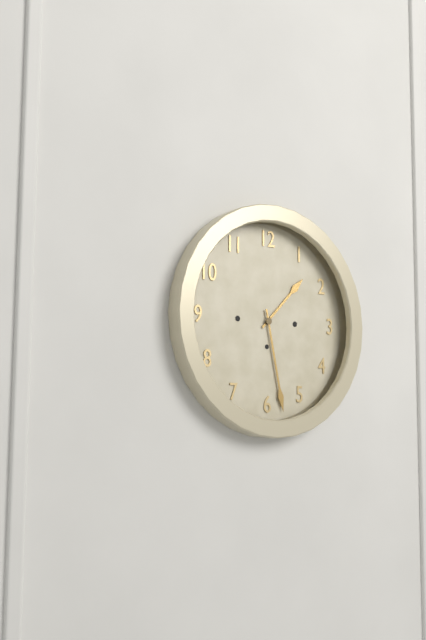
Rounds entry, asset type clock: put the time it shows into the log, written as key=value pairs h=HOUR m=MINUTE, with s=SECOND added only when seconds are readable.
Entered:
h=1 m=28
